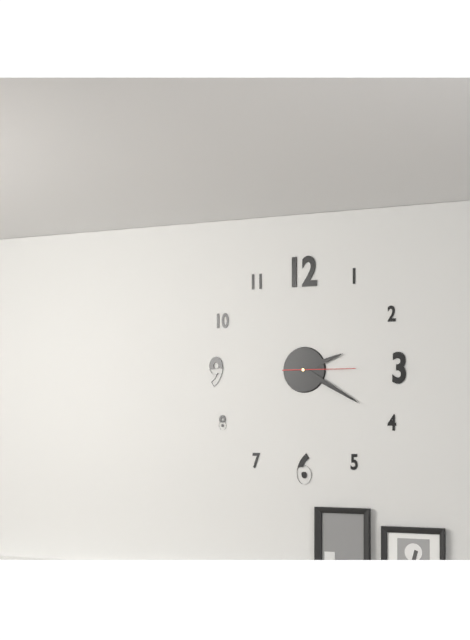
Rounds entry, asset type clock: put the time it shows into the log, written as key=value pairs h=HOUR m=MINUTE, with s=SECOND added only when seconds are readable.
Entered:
h=2 m=20 s=15
